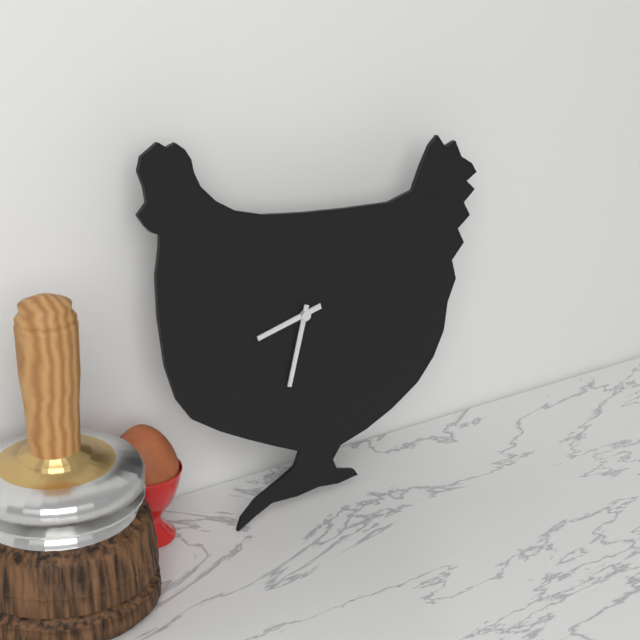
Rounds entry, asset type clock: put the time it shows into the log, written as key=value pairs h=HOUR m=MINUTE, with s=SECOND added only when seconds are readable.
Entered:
h=8 m=33
